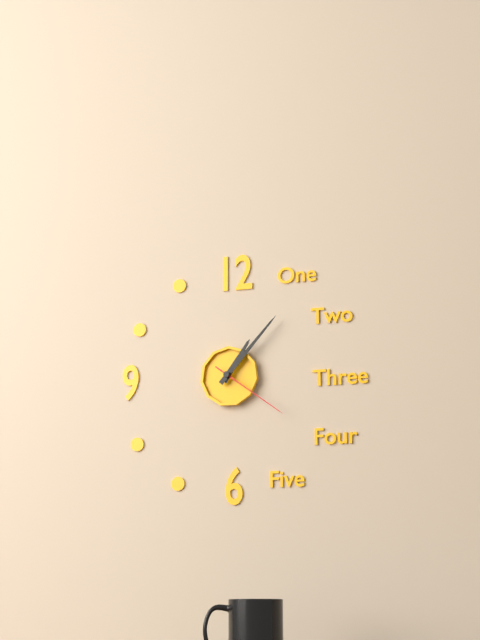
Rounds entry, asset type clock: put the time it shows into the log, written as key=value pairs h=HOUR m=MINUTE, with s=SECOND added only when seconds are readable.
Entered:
h=1 m=7 s=21
